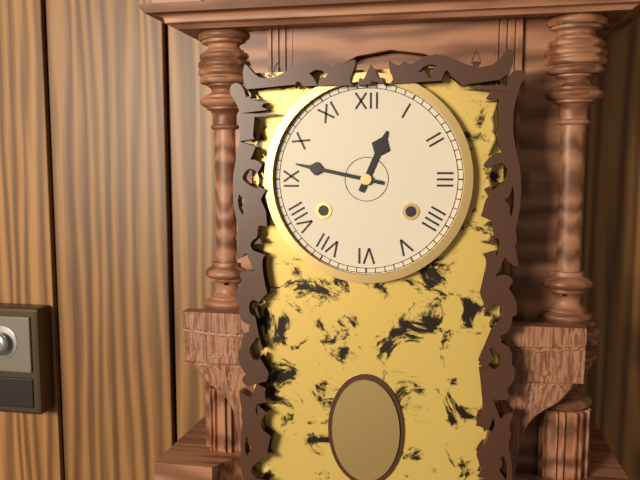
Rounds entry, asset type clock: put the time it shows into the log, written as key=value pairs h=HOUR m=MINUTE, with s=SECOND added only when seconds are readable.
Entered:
h=12 m=47
